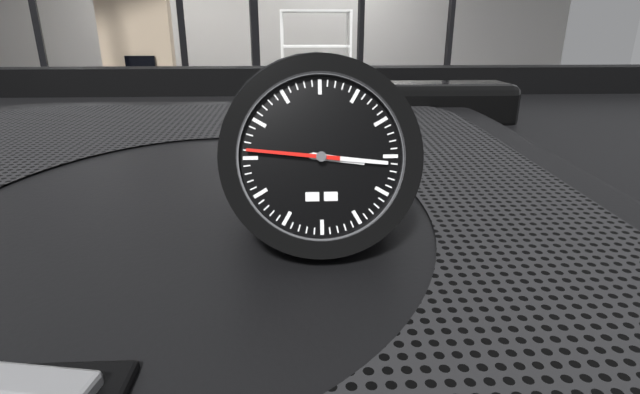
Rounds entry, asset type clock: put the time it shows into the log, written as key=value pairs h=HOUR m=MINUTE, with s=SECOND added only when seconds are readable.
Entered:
h=3 m=16 s=46
